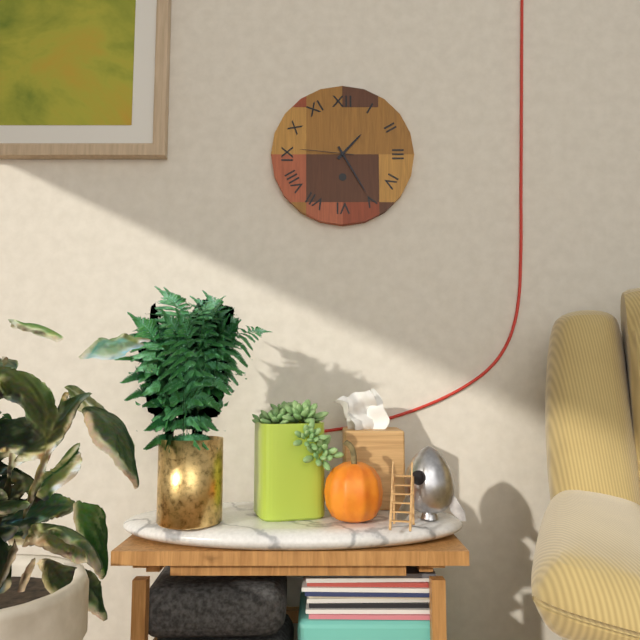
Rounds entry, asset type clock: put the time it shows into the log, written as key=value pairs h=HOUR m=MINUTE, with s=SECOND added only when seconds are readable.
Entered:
h=1 m=25 s=46
